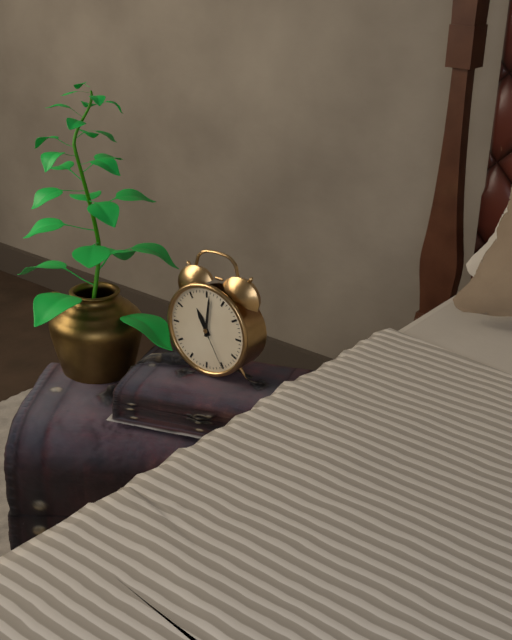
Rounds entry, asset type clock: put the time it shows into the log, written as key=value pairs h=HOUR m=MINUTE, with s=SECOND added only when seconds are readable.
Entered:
h=11 m=1 s=25
